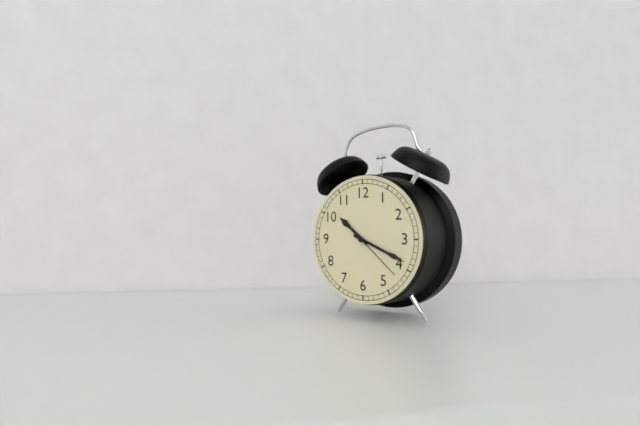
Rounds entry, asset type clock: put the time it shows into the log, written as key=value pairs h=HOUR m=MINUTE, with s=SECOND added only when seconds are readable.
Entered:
h=10 m=19 s=22
